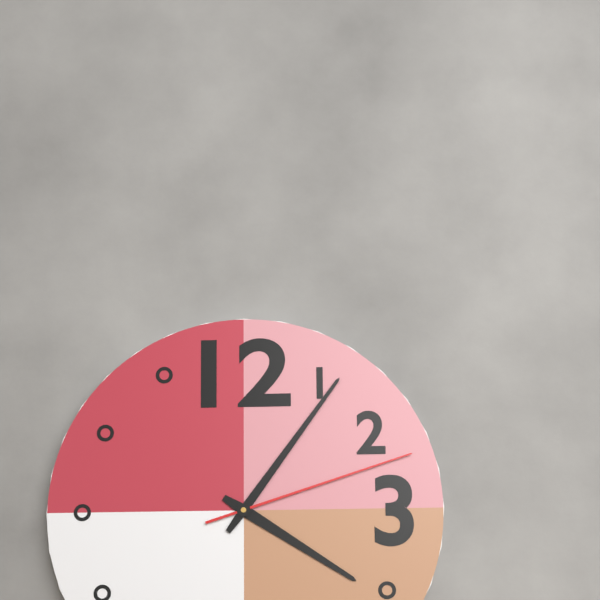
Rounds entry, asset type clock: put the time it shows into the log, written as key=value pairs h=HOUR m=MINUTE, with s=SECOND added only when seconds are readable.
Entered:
h=4 m=6 s=12
